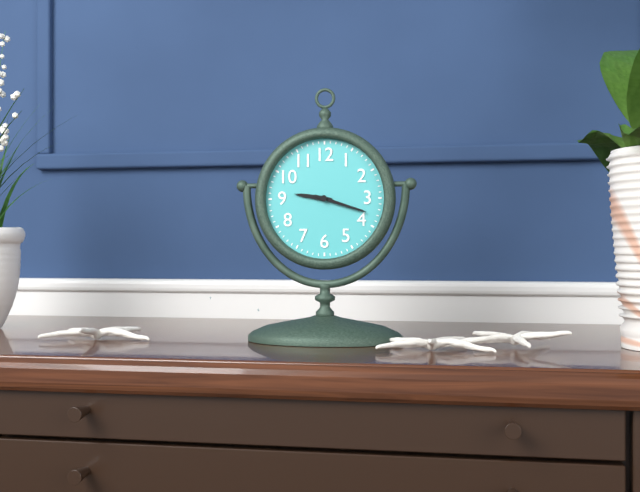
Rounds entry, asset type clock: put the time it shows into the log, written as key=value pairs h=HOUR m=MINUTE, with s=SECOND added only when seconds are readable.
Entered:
h=9 m=18
